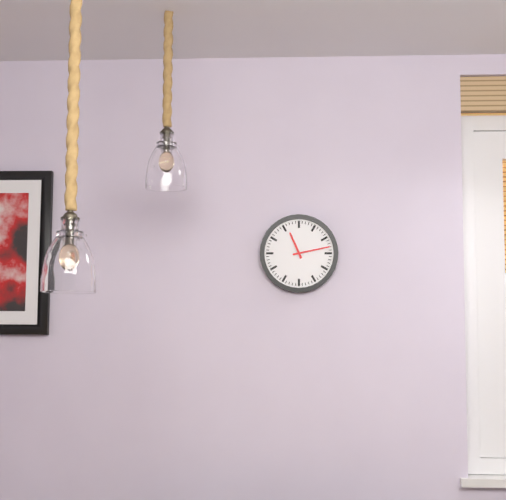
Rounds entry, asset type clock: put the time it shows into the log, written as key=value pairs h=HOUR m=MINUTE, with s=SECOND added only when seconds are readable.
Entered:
h=11 m=13
